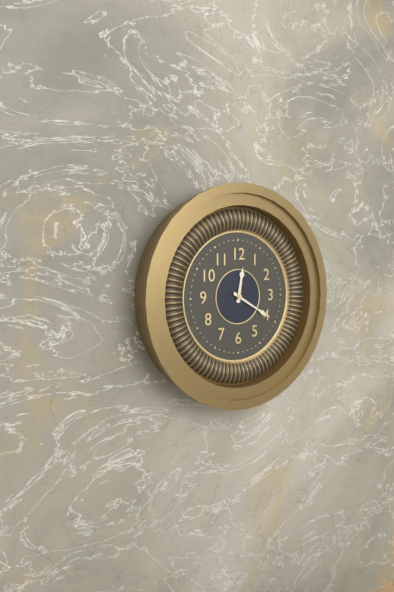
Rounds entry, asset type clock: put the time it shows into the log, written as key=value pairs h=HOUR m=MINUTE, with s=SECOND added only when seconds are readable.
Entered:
h=12 m=20
